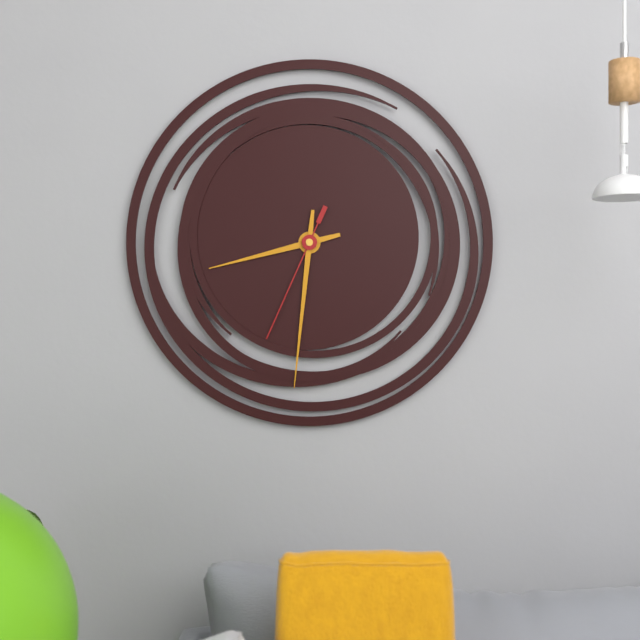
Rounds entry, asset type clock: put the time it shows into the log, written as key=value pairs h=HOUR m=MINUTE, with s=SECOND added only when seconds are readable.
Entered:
h=8 m=31 s=34
